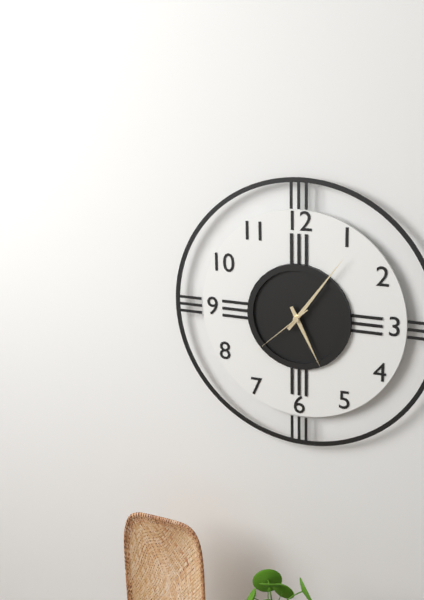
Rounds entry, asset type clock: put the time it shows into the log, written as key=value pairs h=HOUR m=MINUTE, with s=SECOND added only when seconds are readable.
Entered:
h=5 m=6 s=38
